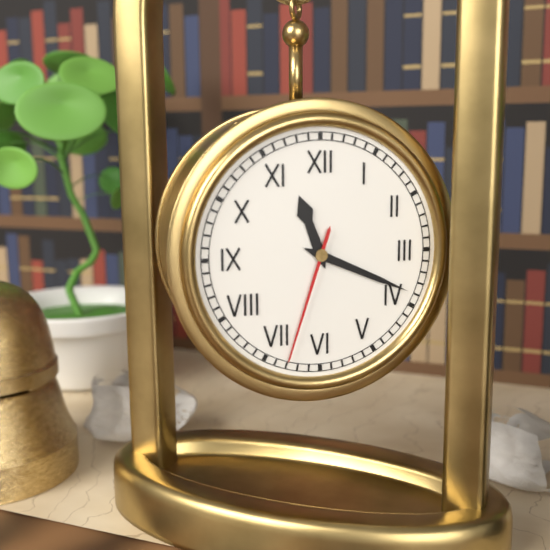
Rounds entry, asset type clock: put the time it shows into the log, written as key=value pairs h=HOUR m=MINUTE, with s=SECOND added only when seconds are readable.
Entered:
h=11 m=19 s=33
